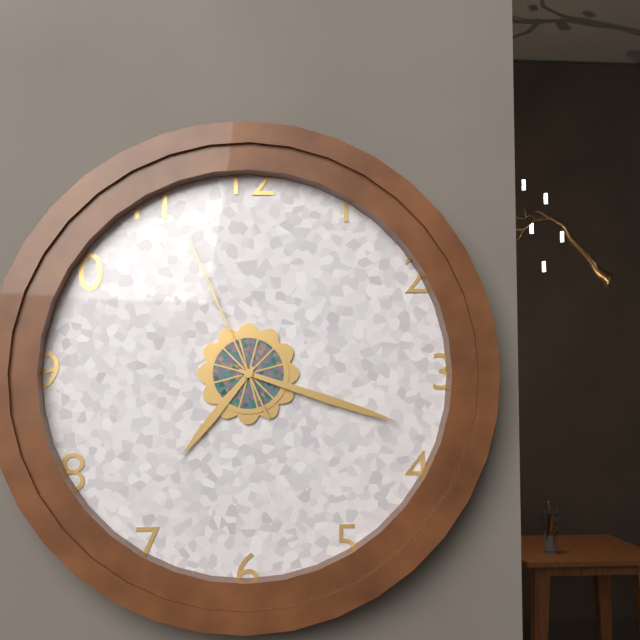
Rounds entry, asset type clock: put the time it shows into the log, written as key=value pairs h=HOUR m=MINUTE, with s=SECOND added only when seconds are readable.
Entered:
h=7 m=18 s=56
